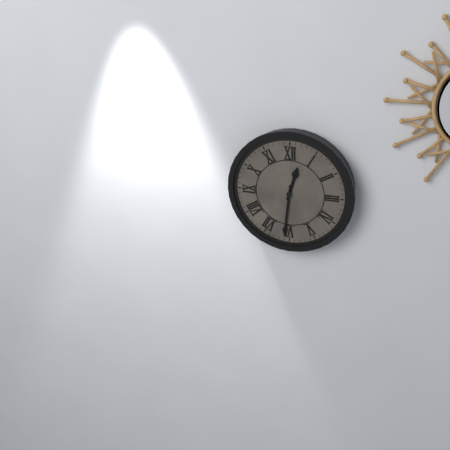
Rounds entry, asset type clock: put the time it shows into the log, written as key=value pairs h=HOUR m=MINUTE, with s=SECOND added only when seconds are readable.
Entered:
h=12 m=31
